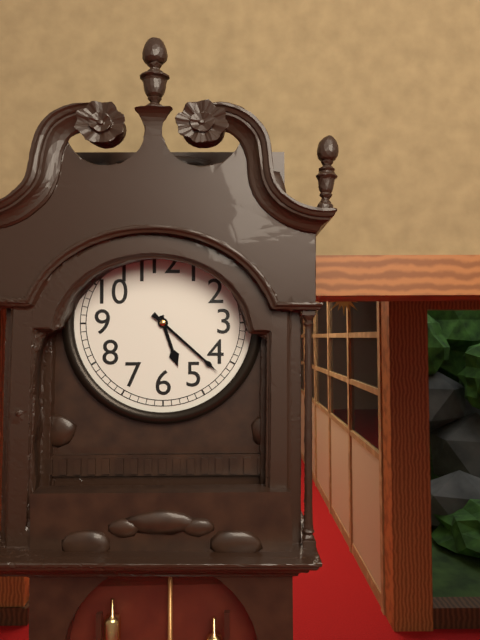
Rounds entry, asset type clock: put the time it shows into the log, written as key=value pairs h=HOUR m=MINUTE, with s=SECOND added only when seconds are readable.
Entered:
h=5 m=22
